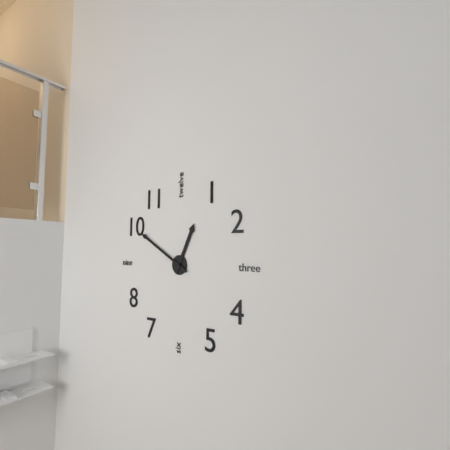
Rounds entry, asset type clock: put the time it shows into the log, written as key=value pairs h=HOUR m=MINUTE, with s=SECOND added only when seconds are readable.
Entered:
h=12 m=50
